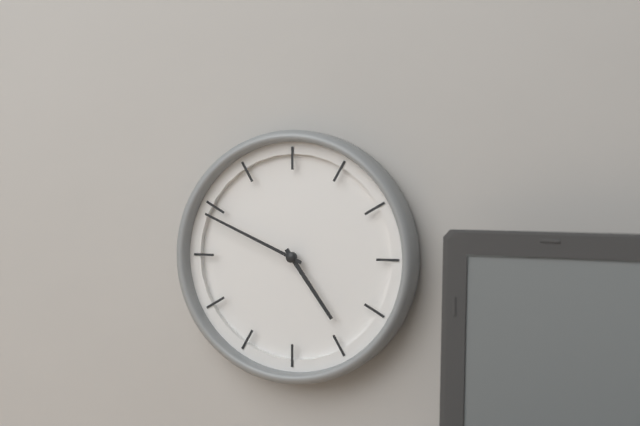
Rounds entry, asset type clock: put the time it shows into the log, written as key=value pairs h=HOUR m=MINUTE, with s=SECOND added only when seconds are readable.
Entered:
h=4 m=49
